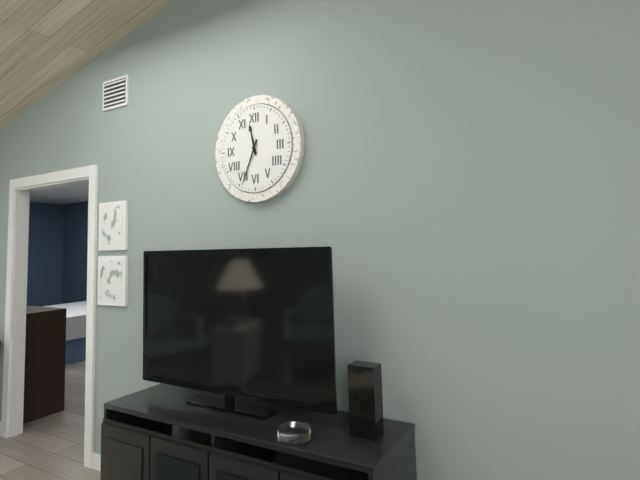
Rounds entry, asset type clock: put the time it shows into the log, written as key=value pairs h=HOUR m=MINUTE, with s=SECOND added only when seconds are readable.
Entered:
h=11 m=34
